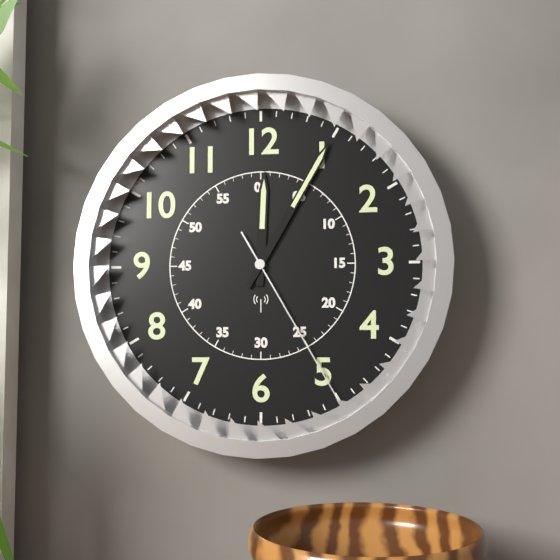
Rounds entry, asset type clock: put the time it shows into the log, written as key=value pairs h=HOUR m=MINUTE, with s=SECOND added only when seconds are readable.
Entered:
h=12 m=5 s=25
